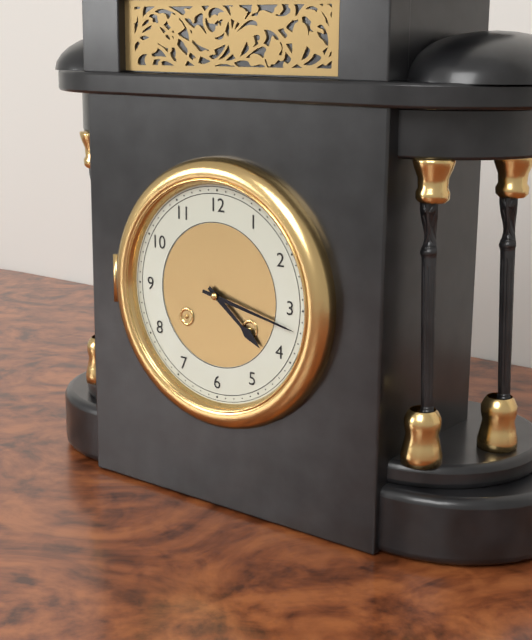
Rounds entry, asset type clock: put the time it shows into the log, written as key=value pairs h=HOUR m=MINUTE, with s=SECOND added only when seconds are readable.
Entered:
h=4 m=17
